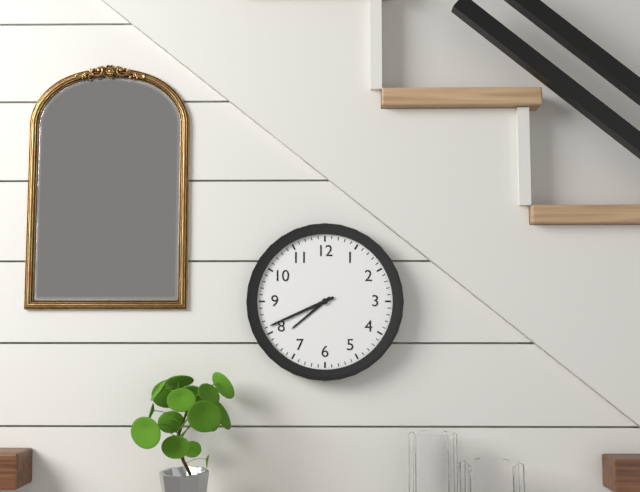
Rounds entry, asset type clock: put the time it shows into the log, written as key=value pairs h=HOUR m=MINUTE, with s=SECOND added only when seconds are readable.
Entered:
h=7 m=41
